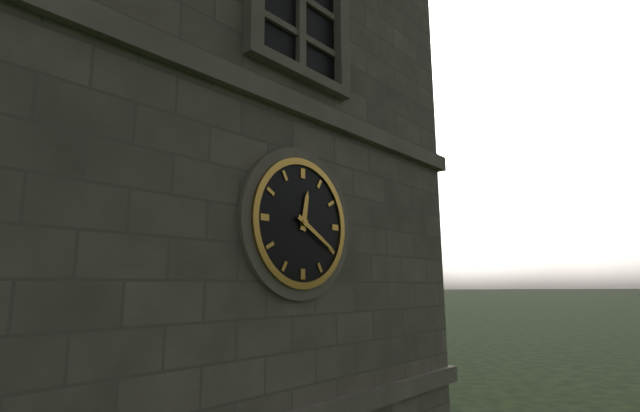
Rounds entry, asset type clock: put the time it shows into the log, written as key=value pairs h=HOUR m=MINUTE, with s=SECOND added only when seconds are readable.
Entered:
h=12 m=20
